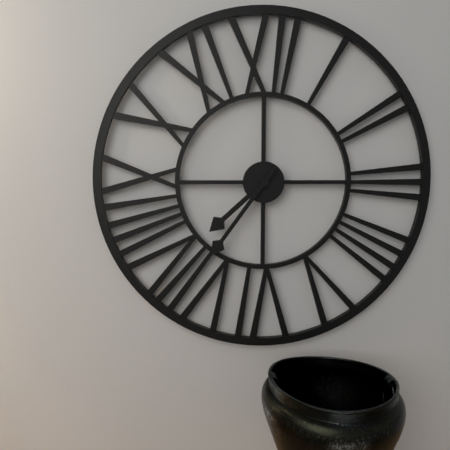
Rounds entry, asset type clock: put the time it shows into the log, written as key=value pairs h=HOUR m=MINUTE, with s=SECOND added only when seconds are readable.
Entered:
h=7 m=36
